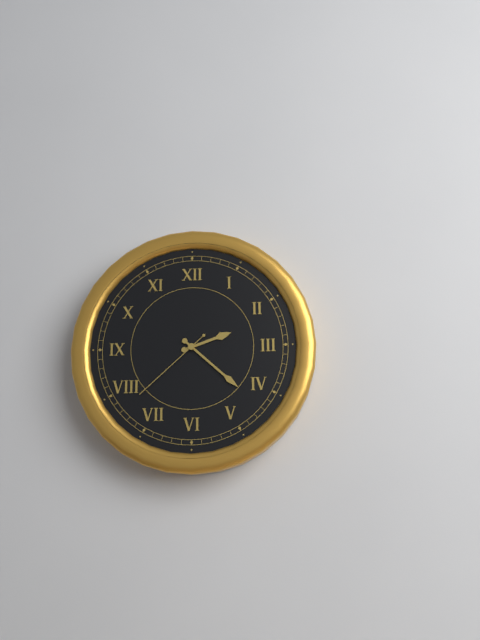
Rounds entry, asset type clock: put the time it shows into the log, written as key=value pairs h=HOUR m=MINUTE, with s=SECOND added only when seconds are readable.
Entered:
h=2 m=22 s=38
